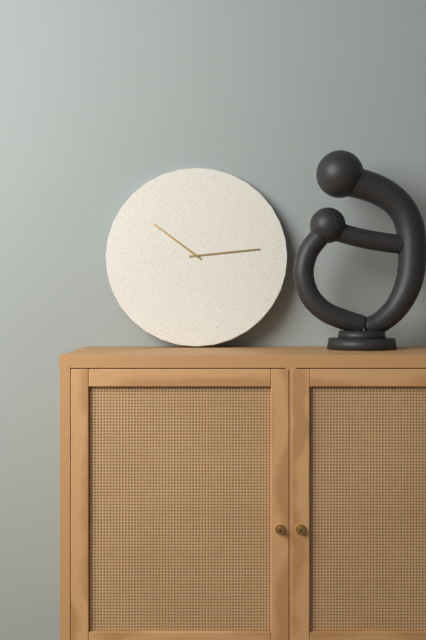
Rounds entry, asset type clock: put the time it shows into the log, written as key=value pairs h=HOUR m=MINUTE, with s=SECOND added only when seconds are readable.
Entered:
h=10 m=14
